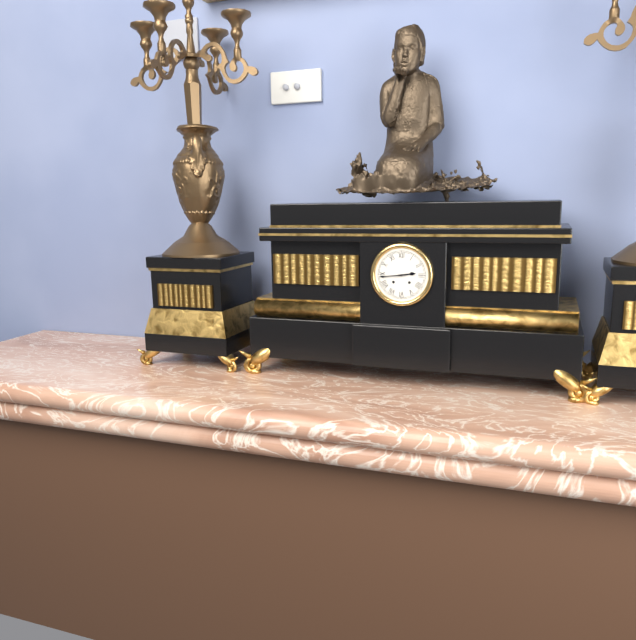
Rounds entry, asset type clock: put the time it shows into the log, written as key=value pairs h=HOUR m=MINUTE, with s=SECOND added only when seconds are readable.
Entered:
h=2 m=44
